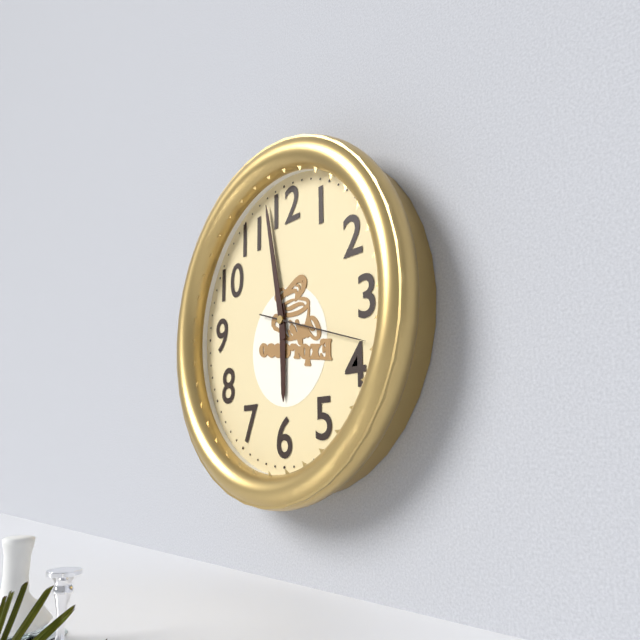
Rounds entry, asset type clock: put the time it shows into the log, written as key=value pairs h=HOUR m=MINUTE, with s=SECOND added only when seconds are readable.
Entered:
h=5 m=58 s=18
